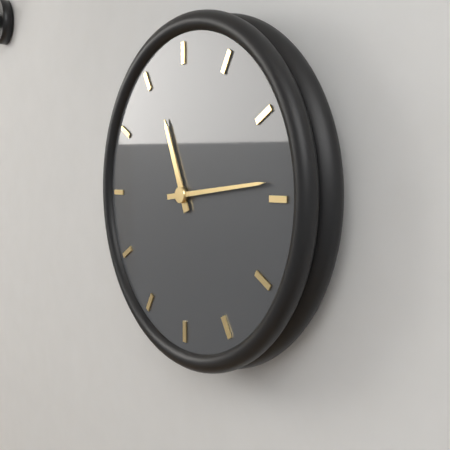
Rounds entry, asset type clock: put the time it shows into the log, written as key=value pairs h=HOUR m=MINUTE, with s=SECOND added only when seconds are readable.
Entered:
h=11 m=14
